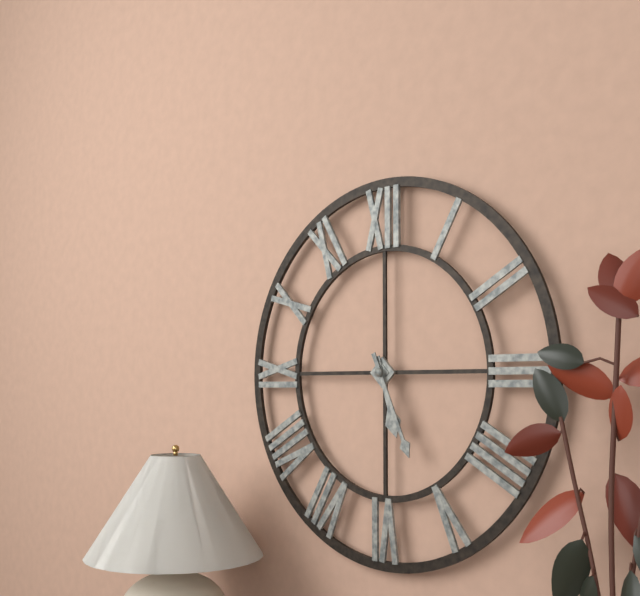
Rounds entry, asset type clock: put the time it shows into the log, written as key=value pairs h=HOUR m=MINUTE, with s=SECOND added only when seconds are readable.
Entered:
h=5 m=26
